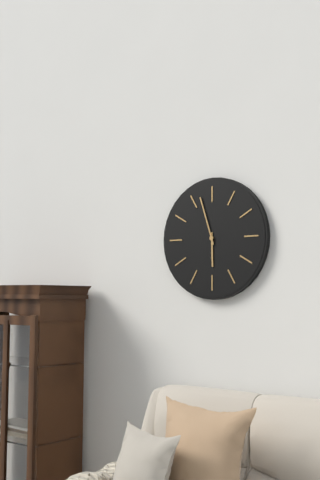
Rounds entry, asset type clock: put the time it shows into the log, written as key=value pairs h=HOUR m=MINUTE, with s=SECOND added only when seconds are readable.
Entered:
h=5 m=57
